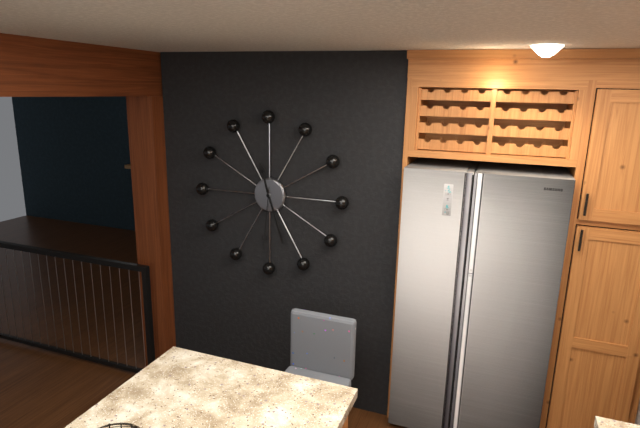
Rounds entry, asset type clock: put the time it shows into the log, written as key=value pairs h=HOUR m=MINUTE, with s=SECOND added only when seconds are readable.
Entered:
h=11 m=27 s=31
